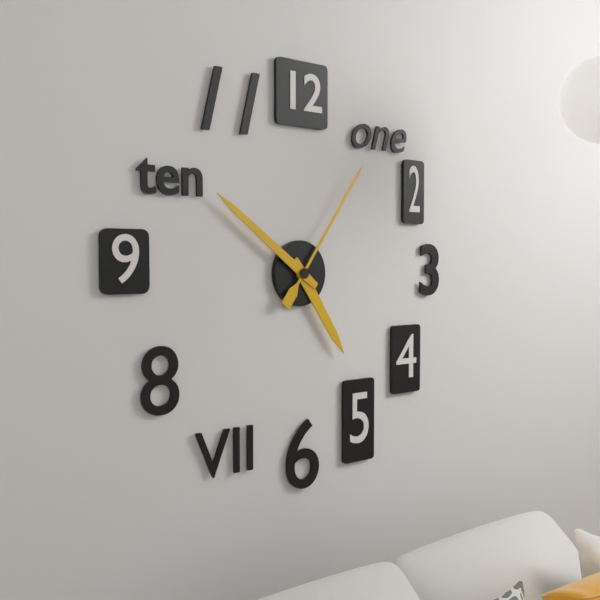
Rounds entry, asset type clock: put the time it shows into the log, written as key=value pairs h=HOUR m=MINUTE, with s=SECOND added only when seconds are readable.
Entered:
h=4 m=51 s=6
